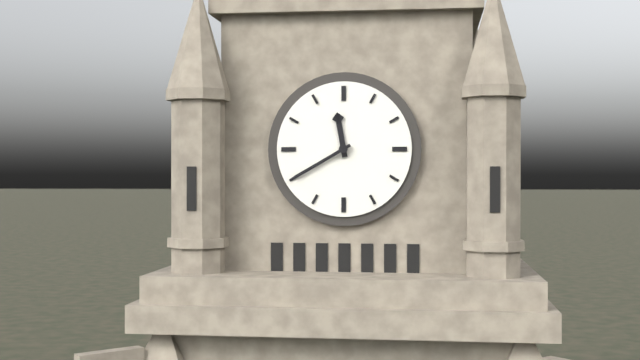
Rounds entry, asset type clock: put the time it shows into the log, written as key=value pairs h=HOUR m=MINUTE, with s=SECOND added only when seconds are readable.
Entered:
h=11 m=40
